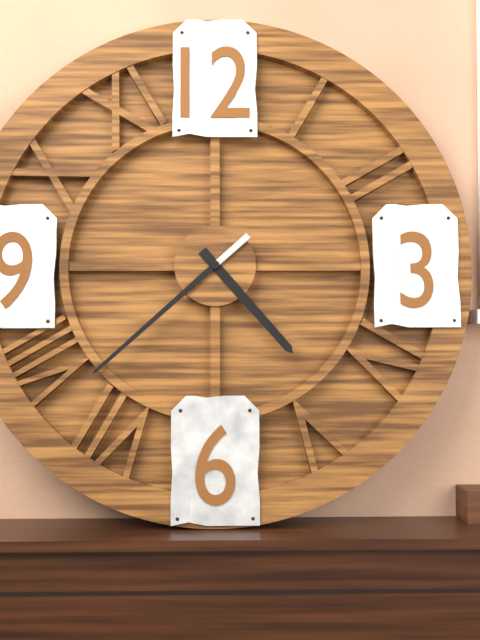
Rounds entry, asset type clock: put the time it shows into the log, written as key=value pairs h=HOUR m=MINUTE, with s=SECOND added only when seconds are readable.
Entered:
h=4 m=38
